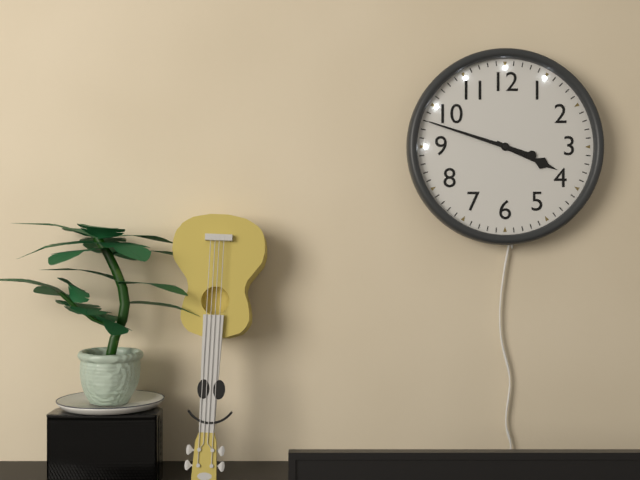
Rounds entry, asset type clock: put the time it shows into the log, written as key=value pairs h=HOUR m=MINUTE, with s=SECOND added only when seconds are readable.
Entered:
h=3 m=48
